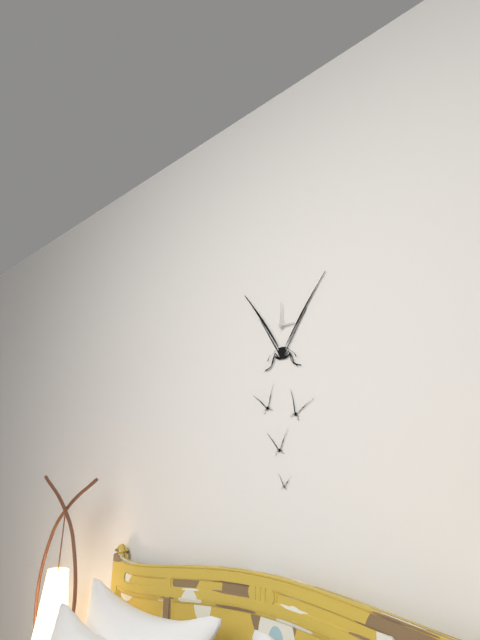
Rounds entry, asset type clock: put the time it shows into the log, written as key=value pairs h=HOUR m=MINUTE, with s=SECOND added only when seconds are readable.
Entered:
h=3 m=0
